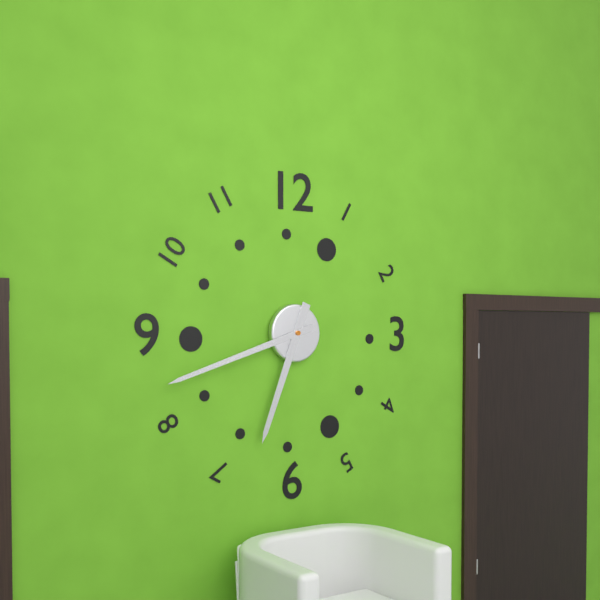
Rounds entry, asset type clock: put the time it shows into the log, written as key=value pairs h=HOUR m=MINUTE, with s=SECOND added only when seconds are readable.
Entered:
h=6 m=42
